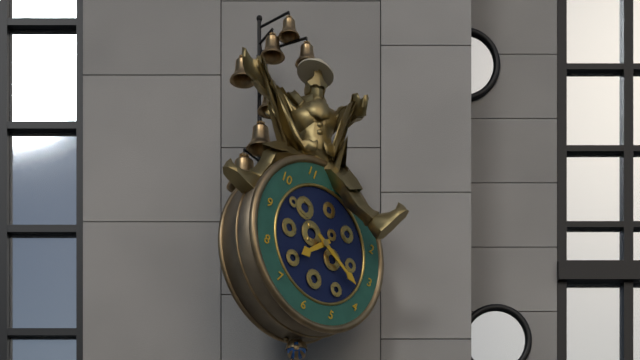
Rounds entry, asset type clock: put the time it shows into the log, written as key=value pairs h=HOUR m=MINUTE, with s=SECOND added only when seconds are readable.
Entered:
h=7 m=18
